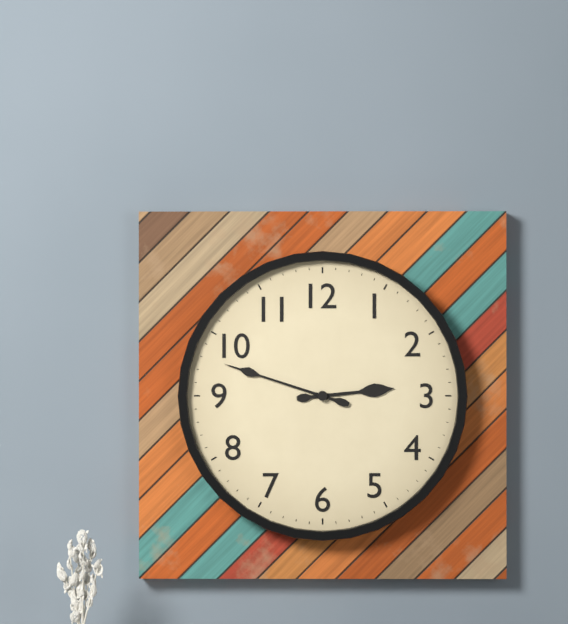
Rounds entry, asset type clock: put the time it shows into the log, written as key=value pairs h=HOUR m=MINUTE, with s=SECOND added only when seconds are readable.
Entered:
h=2 m=48
